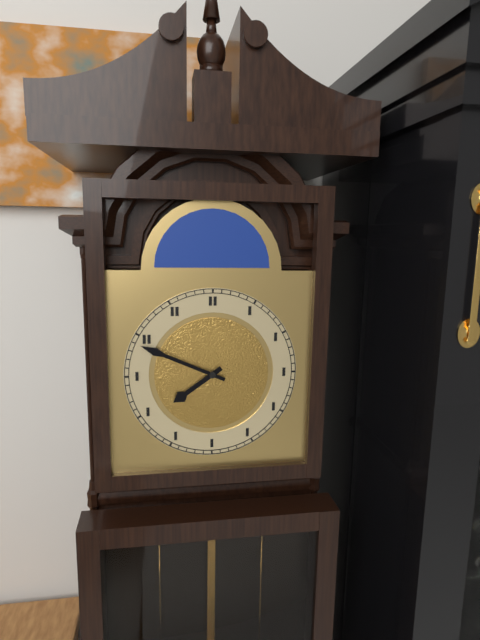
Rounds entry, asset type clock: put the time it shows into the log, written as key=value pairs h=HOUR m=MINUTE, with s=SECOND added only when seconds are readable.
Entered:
h=7 m=49
